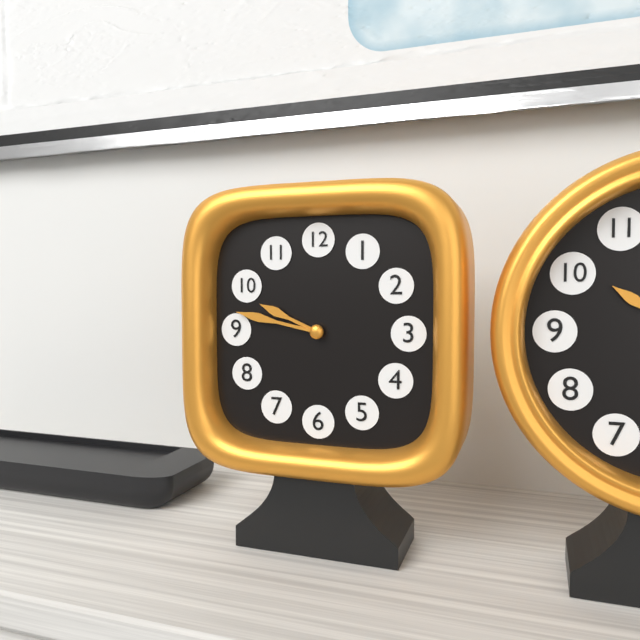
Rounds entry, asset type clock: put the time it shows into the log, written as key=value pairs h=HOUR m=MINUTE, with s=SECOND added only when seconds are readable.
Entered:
h=9 m=47
